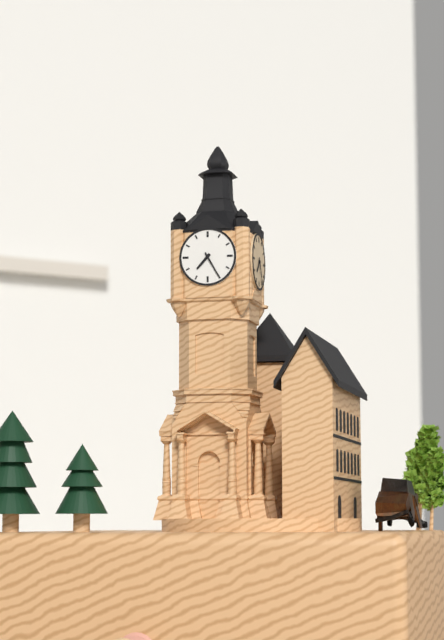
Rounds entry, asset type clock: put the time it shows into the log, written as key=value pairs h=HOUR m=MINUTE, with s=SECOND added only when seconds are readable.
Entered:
h=7 m=25
